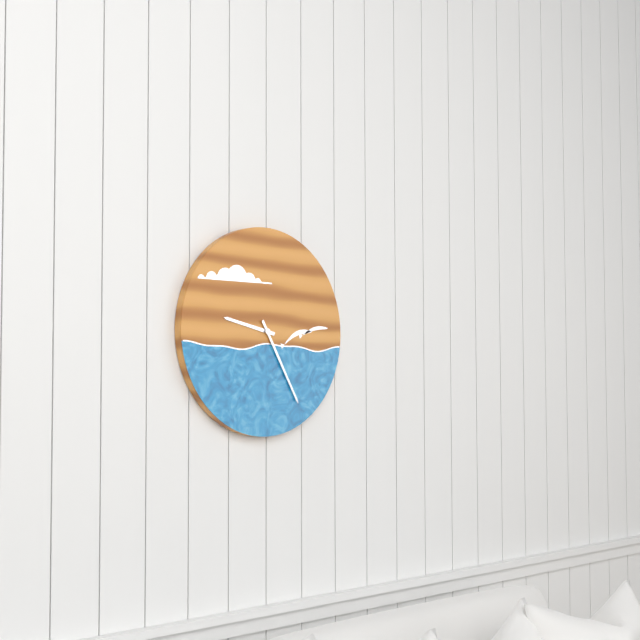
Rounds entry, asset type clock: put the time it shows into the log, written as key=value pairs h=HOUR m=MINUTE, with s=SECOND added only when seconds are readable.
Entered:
h=9 m=25
